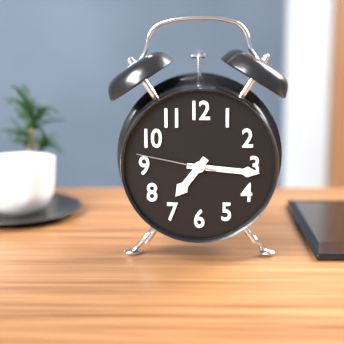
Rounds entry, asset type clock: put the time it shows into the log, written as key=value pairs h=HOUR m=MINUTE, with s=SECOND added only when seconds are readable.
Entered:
h=7 m=16 s=47
